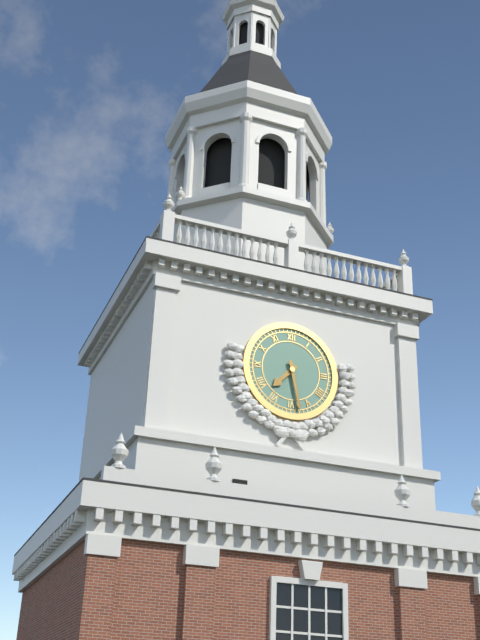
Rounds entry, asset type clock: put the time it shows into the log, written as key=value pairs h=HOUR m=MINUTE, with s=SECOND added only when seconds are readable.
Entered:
h=7 m=28
